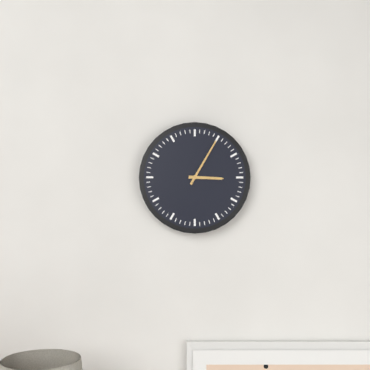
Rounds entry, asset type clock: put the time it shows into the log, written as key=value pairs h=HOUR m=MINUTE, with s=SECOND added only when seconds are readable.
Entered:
h=3 m=5
